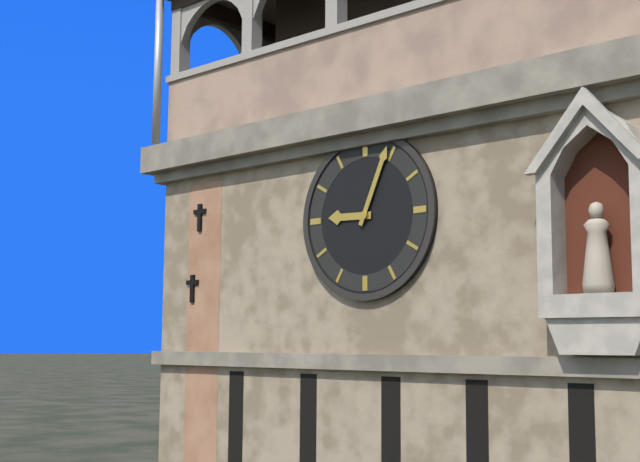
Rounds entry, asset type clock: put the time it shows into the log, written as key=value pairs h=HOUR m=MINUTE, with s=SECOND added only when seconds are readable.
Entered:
h=9 m=4
